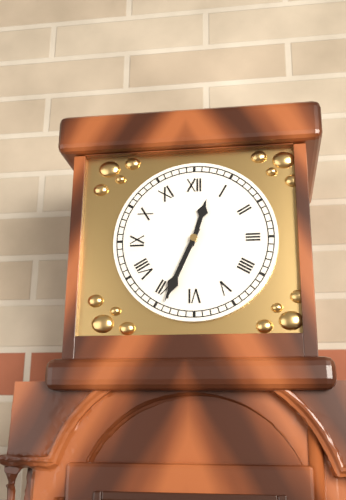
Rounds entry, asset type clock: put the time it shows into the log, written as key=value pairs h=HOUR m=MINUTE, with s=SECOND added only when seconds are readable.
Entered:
h=12 m=34
